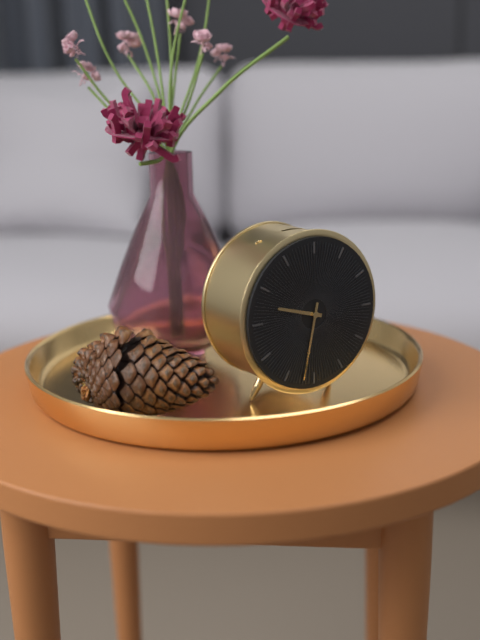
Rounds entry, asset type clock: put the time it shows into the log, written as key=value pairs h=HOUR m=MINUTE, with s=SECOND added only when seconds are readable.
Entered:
h=9 m=32
